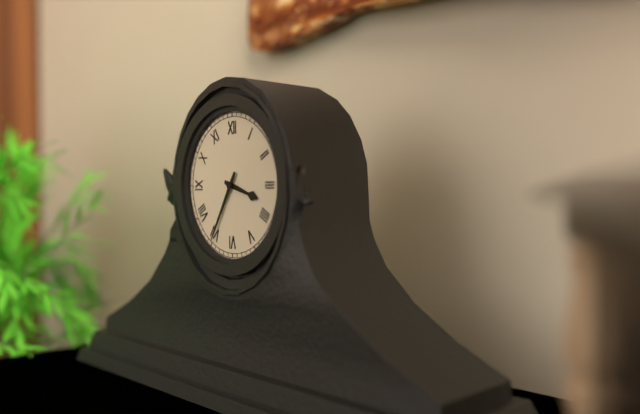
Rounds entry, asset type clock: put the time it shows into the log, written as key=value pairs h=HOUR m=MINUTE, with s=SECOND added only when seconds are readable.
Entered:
h=3 m=35
